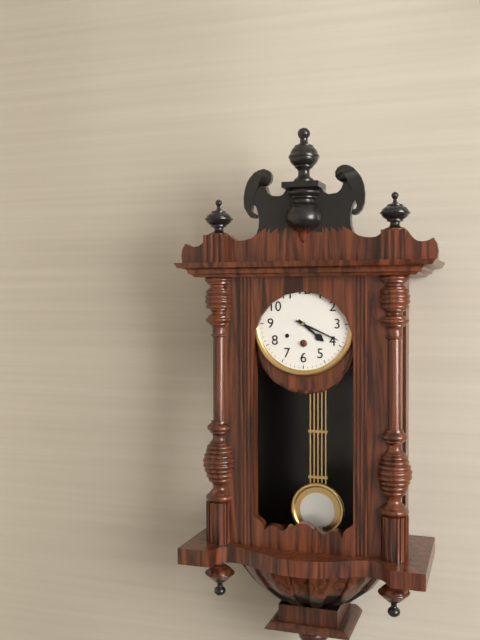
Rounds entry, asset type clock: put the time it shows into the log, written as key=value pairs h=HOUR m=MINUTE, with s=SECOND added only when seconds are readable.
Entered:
h=4 m=19
